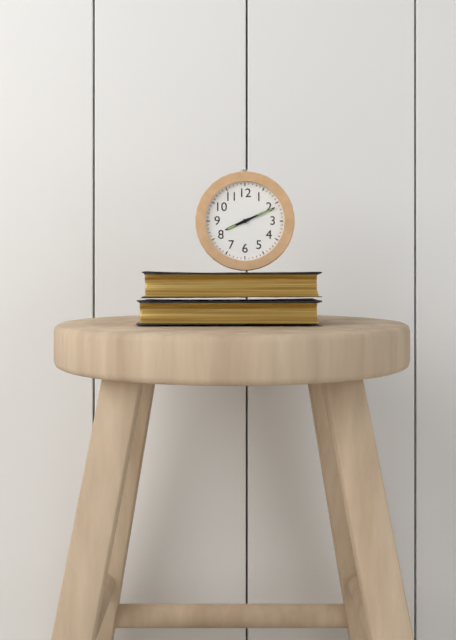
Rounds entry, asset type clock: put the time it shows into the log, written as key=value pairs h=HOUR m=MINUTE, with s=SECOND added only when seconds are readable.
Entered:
h=8 m=11
